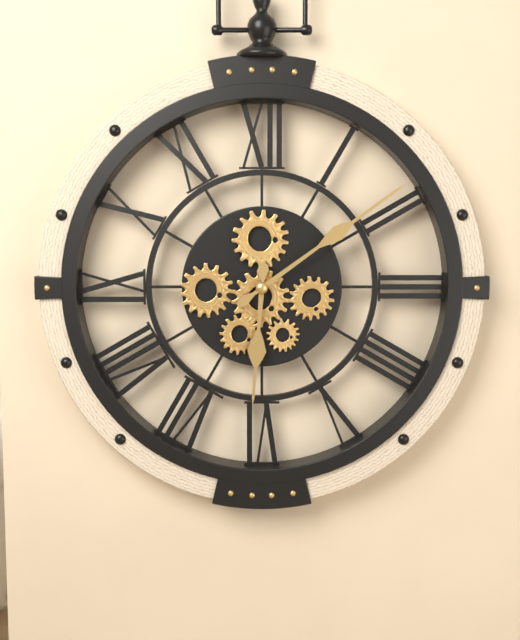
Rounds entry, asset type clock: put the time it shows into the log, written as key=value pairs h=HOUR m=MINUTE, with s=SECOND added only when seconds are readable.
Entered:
h=6 m=9
